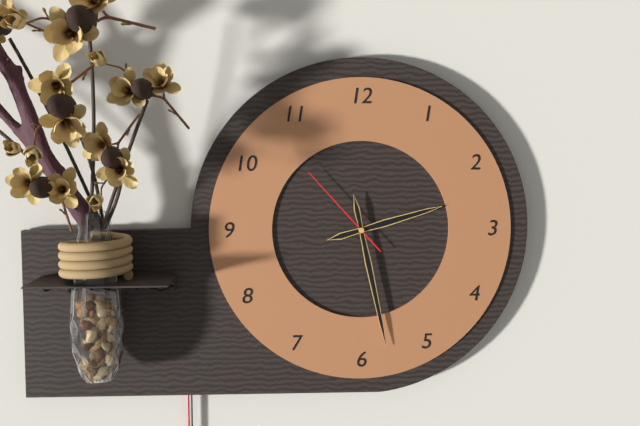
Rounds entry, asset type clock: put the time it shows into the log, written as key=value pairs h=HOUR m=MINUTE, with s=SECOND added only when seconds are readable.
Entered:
h=2 m=28 s=53
